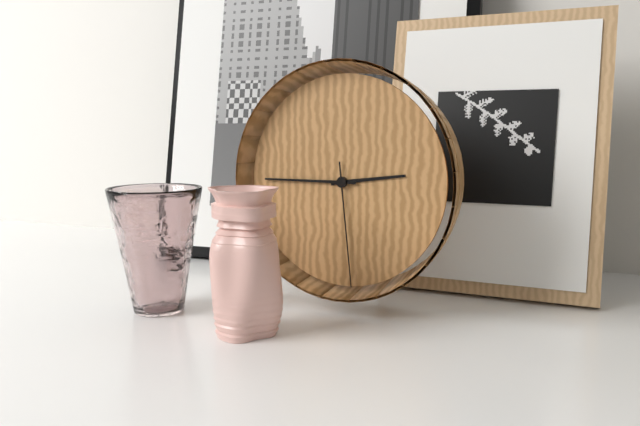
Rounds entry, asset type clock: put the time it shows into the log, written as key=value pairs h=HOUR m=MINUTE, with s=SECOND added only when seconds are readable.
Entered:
h=2 m=45 s=29
